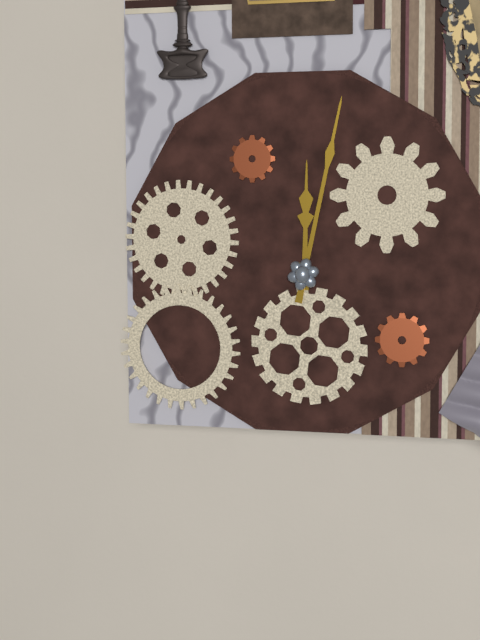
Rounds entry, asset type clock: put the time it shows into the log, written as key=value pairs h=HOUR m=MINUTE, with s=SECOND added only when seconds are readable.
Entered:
h=12 m=2
